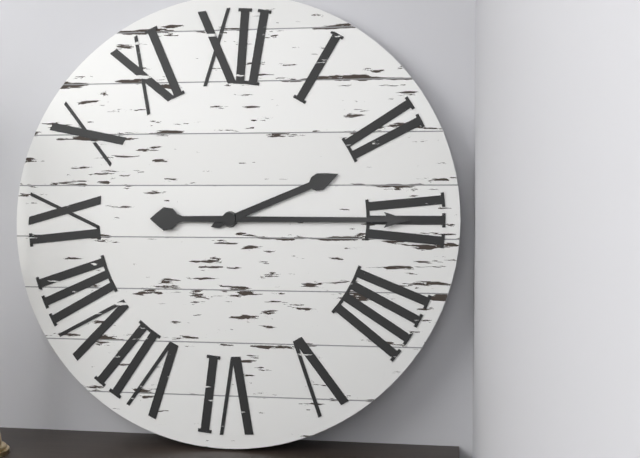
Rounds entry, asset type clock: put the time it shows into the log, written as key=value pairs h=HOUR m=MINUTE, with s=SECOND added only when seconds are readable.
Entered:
h=2 m=15
